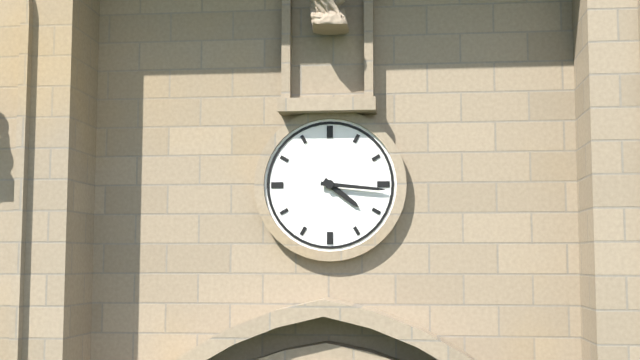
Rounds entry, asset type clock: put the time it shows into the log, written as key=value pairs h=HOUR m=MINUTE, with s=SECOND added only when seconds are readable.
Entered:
h=4 m=16
